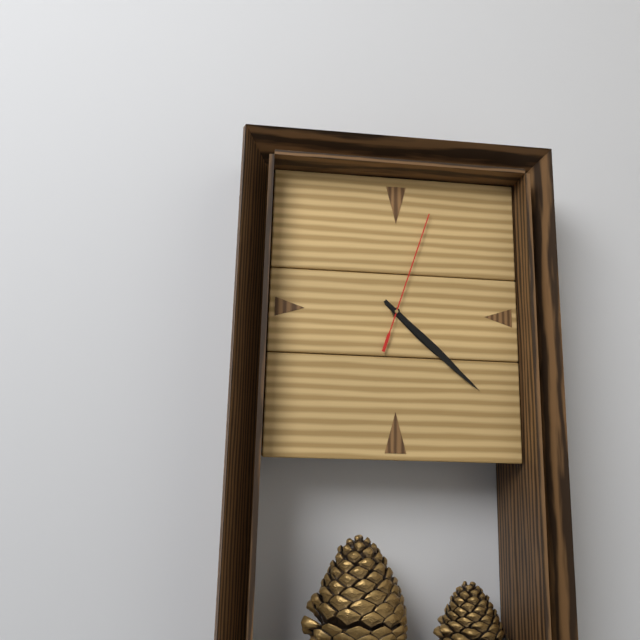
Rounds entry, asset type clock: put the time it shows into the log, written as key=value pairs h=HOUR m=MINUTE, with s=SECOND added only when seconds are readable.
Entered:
h=4 m=22 s=3
